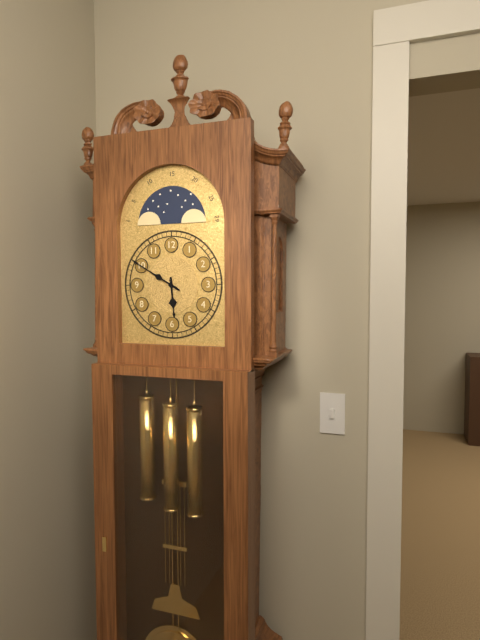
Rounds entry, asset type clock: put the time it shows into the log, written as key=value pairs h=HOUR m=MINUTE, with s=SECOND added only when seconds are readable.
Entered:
h=5 m=50
